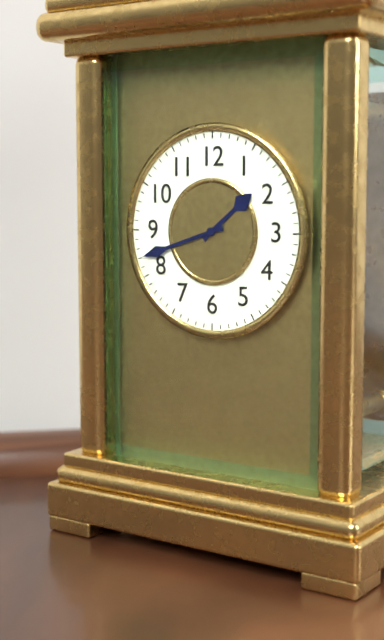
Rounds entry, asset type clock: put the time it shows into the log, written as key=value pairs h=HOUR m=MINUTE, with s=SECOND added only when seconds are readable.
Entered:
h=1 m=42
